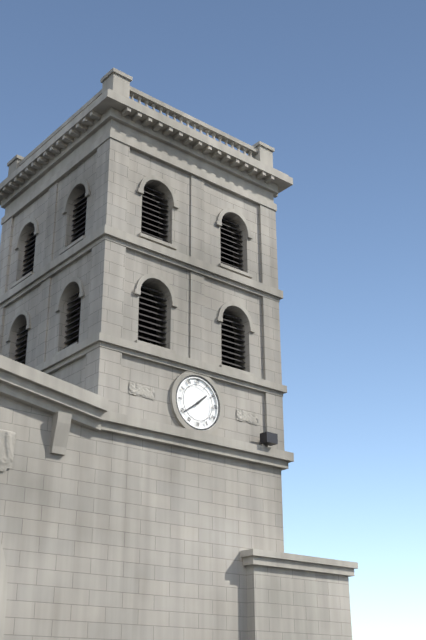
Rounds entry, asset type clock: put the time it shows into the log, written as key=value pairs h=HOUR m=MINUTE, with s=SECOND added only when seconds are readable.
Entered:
h=1 m=39
